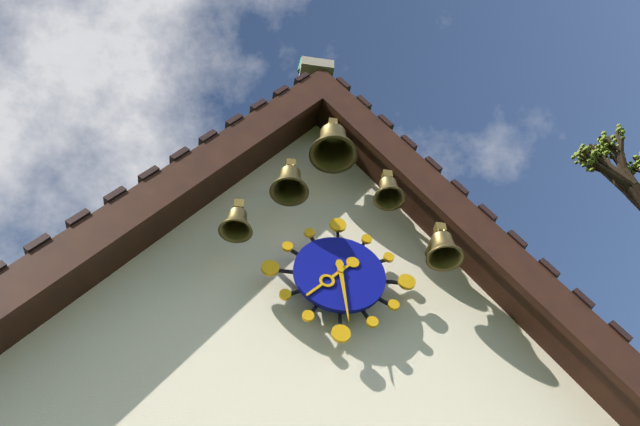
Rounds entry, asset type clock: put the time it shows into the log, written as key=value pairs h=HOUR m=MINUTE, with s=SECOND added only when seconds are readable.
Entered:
h=7 m=29
